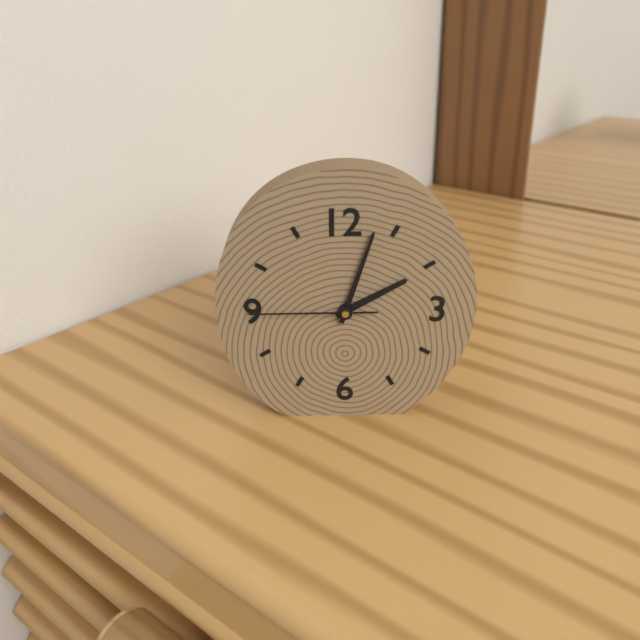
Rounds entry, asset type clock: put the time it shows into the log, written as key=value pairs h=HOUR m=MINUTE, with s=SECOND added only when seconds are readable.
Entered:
h=2 m=3 s=45
